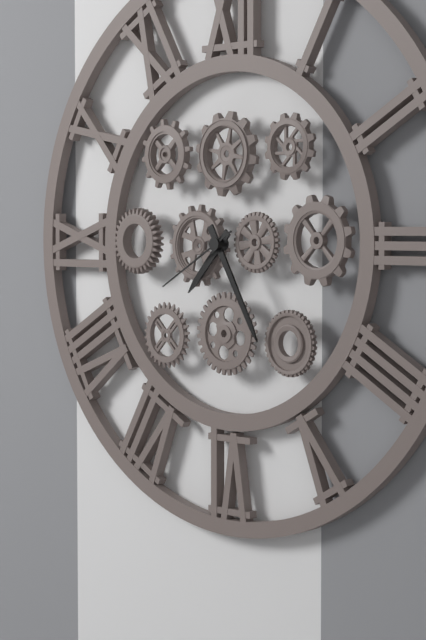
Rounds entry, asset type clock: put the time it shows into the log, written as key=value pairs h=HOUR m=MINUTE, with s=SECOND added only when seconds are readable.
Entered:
h=7 m=25 s=40
